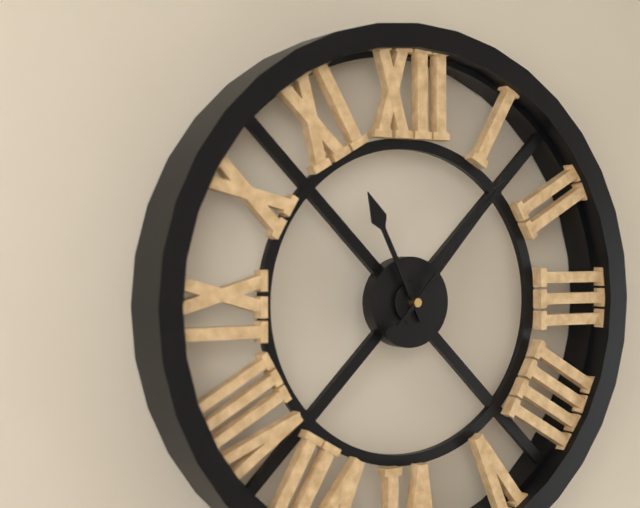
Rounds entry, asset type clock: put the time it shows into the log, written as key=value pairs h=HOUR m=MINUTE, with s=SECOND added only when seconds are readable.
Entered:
h=11 m=7
